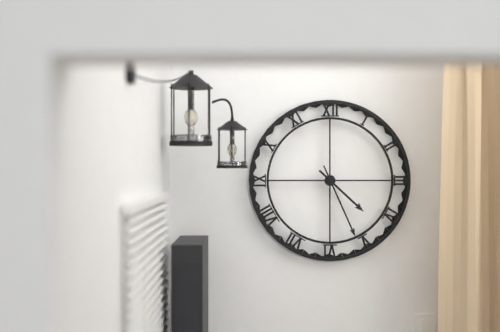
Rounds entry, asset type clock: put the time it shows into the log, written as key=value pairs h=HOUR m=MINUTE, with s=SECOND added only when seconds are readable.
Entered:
h=4 m=26
